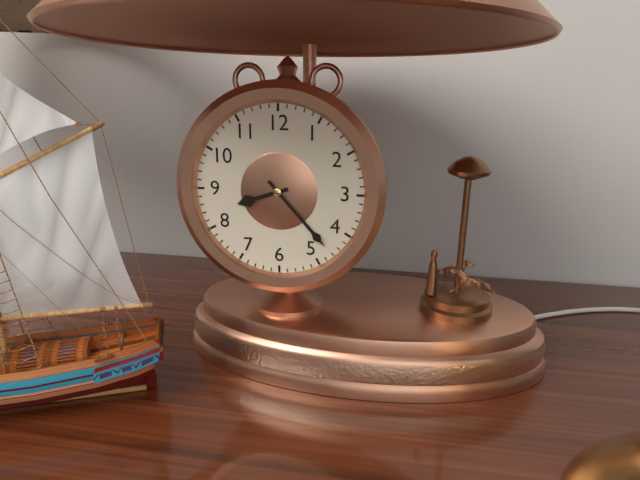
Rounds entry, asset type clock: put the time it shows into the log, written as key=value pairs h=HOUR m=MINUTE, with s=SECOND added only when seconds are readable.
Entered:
h=8 m=23
